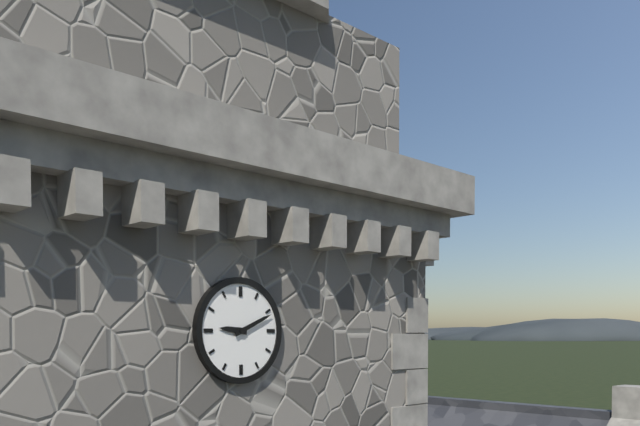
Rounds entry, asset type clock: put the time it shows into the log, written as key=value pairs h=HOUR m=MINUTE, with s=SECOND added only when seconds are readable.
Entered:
h=9 m=11
